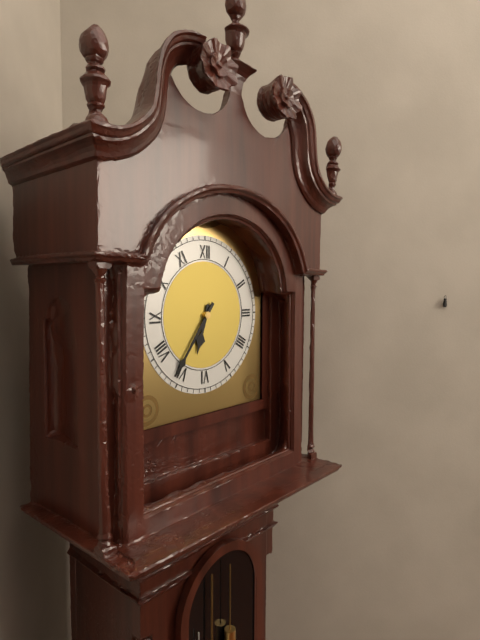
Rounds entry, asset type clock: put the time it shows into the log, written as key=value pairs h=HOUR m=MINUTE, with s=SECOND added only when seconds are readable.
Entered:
h=6 m=36
